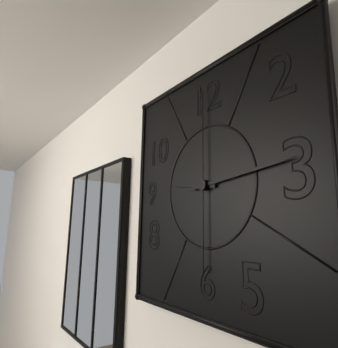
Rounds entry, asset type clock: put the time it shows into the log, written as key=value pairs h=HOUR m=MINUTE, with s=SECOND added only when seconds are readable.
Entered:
h=9 m=14 s=0
